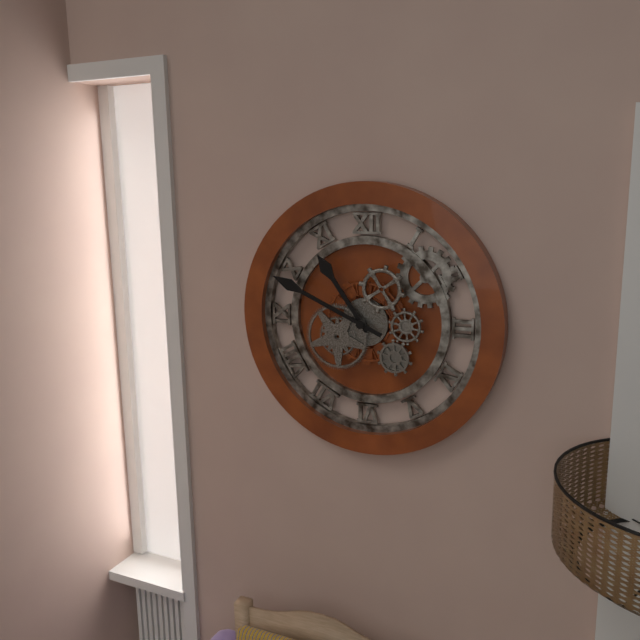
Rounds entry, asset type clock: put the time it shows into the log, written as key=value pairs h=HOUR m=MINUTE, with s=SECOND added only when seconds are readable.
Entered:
h=10 m=49
